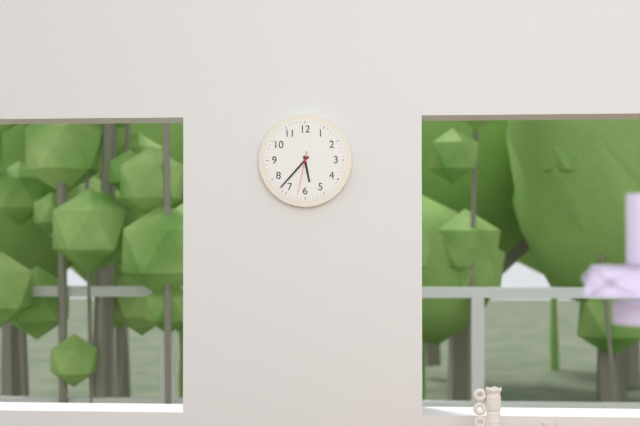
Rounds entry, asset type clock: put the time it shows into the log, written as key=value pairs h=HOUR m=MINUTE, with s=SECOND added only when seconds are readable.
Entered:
h=5 m=37
